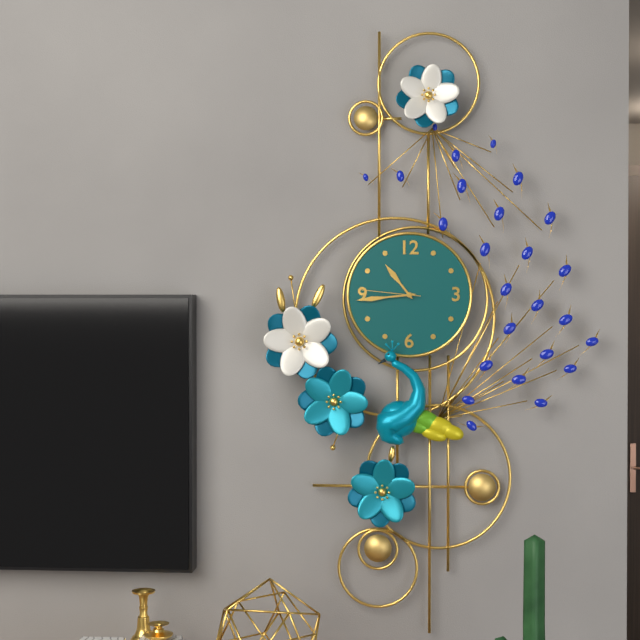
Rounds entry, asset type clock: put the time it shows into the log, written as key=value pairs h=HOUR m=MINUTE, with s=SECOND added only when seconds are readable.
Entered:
h=10 m=44 s=46
